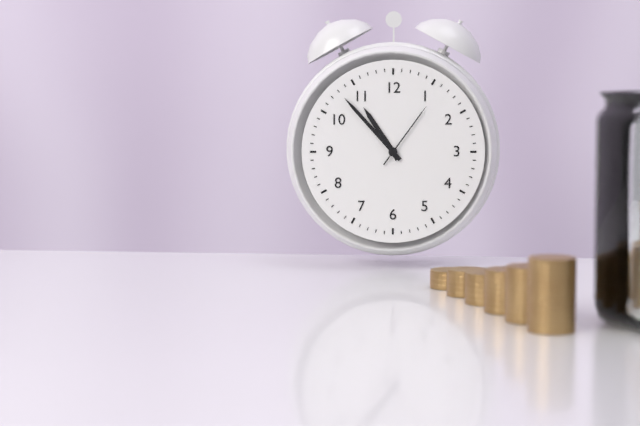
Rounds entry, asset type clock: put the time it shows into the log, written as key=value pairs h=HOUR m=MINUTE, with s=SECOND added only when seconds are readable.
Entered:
h=10 m=53 s=6
